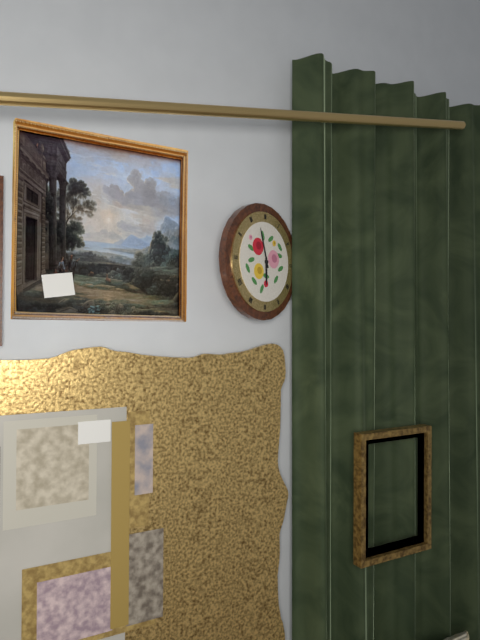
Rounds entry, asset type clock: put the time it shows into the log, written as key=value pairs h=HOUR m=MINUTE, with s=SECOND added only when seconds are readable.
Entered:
h=5 m=57
